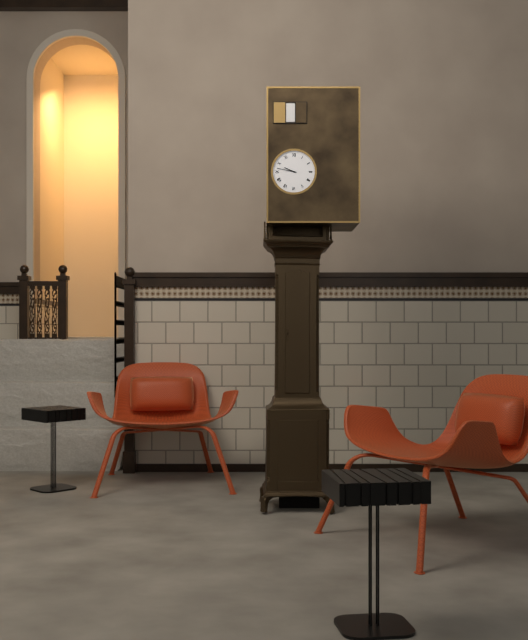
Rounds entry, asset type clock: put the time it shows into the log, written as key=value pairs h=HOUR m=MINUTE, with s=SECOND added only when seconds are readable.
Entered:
h=9 m=47
